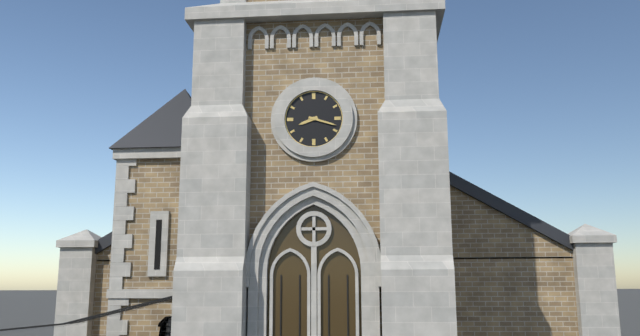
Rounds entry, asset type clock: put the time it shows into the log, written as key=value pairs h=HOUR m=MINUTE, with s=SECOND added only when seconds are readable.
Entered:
h=8 m=18
